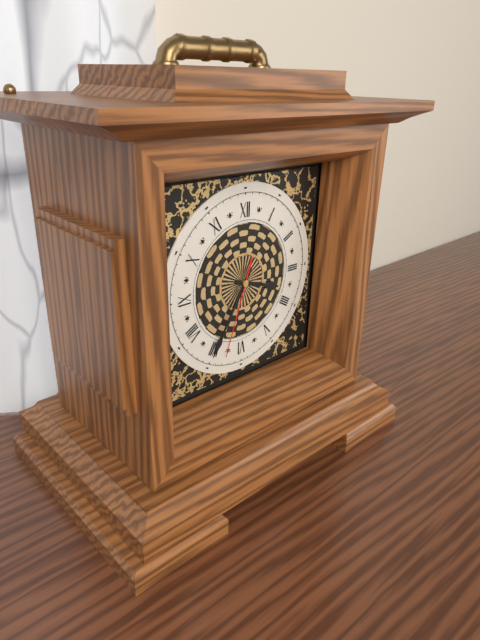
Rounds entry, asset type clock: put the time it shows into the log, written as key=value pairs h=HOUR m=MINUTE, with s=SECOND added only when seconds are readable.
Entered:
h=3 m=35 s=33
